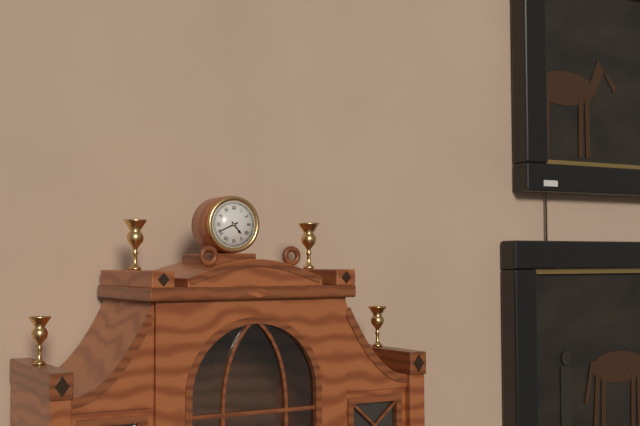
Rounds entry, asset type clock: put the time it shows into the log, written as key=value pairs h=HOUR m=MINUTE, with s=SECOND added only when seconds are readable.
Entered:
h=4 m=41
